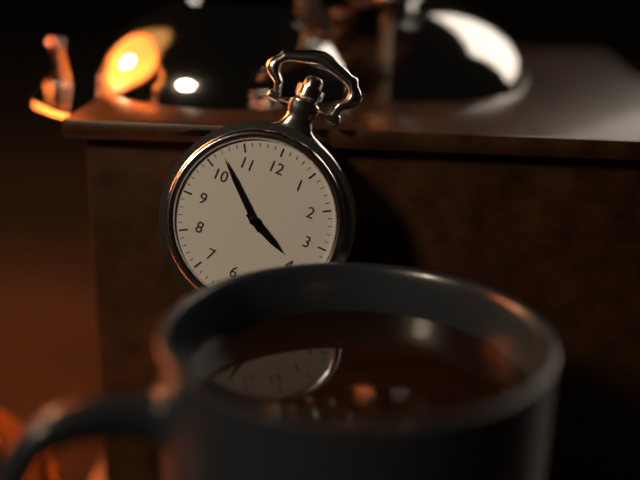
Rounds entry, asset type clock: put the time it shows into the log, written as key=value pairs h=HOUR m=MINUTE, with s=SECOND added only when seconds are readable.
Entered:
h=3 m=52
